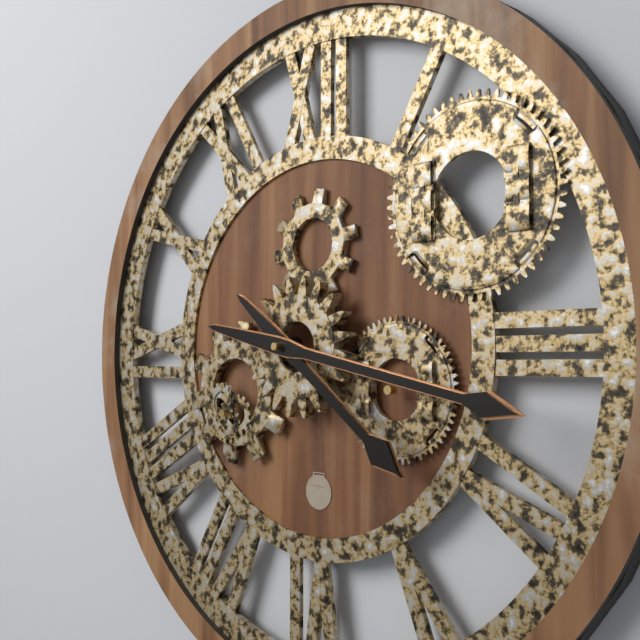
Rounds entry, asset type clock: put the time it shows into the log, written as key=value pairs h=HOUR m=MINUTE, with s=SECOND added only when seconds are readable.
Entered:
h=4 m=17
